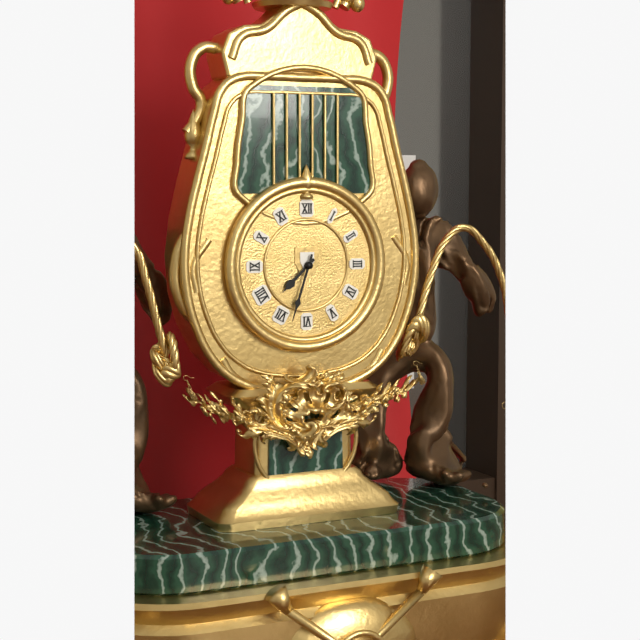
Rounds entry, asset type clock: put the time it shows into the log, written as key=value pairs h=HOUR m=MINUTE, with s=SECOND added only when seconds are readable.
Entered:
h=7 m=33
